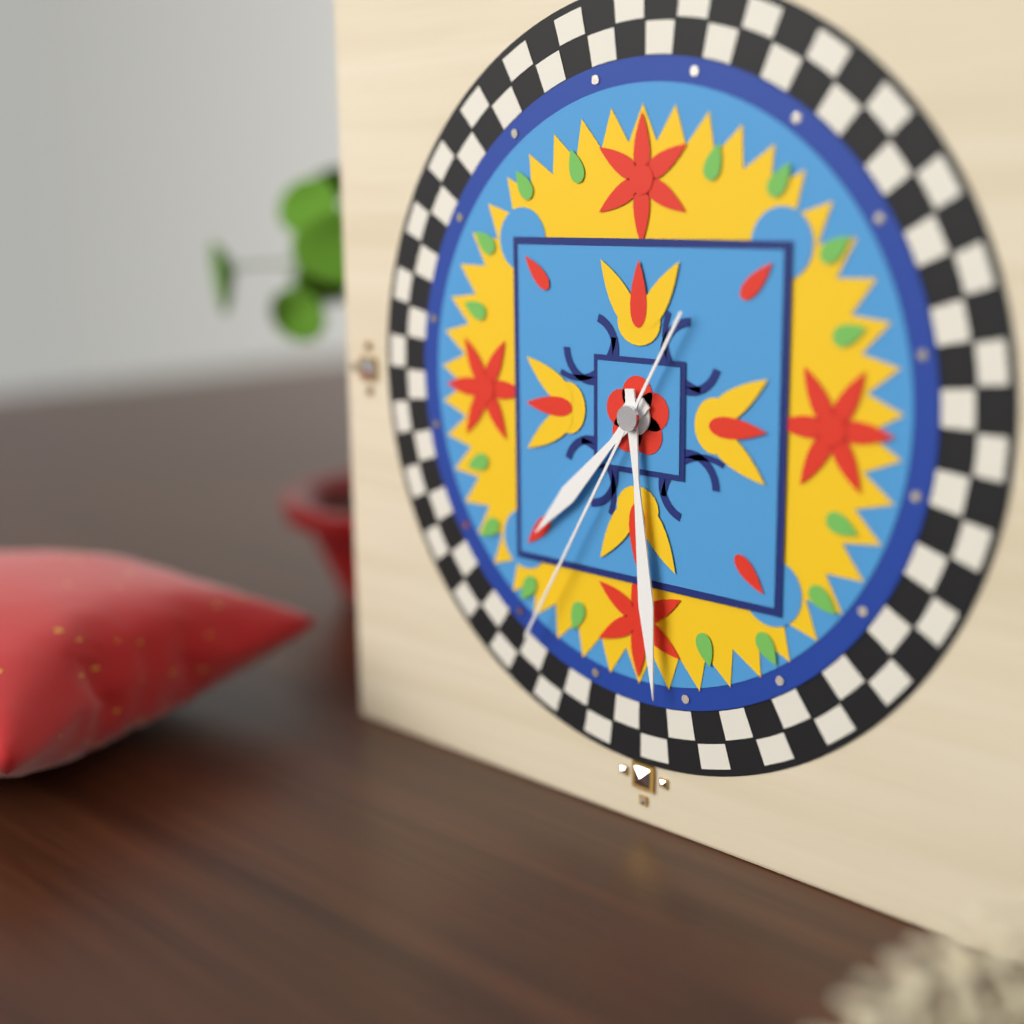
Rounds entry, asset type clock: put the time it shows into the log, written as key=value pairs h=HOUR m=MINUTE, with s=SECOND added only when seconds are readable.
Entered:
h=7 m=29 s=35
